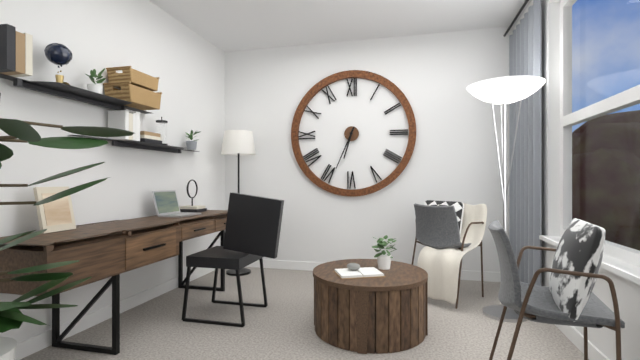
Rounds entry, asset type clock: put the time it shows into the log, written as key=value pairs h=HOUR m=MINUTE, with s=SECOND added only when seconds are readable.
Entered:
h=6 m=34
